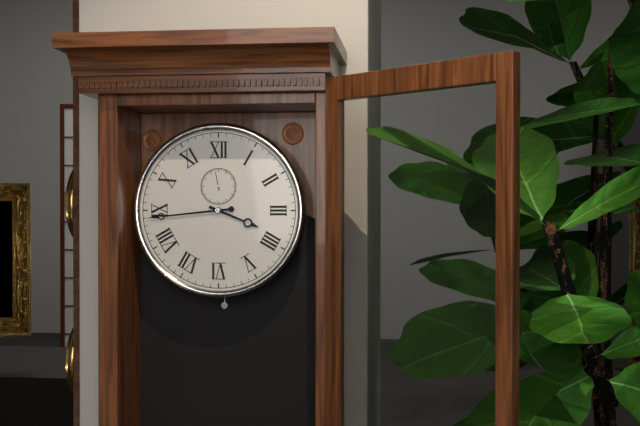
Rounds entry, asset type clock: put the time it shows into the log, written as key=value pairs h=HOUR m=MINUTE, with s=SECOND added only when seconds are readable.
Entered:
h=3 m=44
